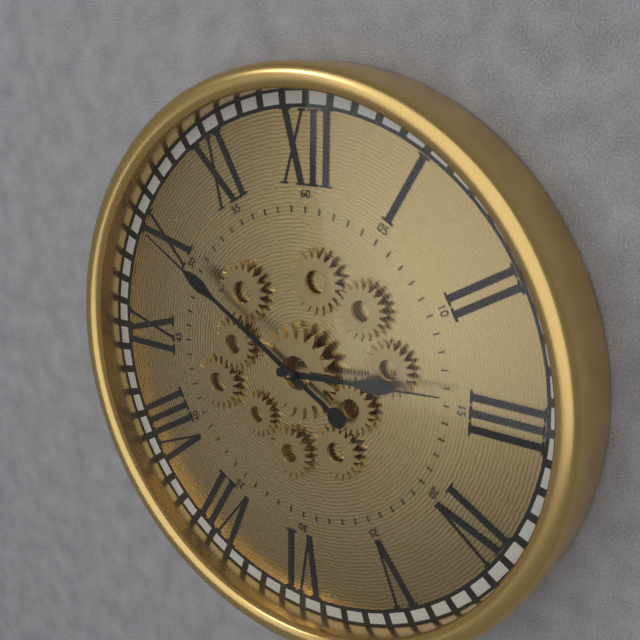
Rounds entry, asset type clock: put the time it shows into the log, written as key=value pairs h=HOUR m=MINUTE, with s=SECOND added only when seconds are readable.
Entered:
h=2 m=50
